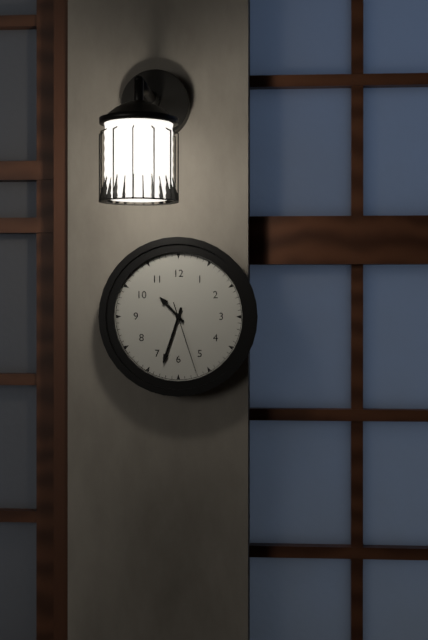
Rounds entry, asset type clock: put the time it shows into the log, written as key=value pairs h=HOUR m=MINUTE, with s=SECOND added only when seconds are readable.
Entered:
h=10 m=33 s=27
